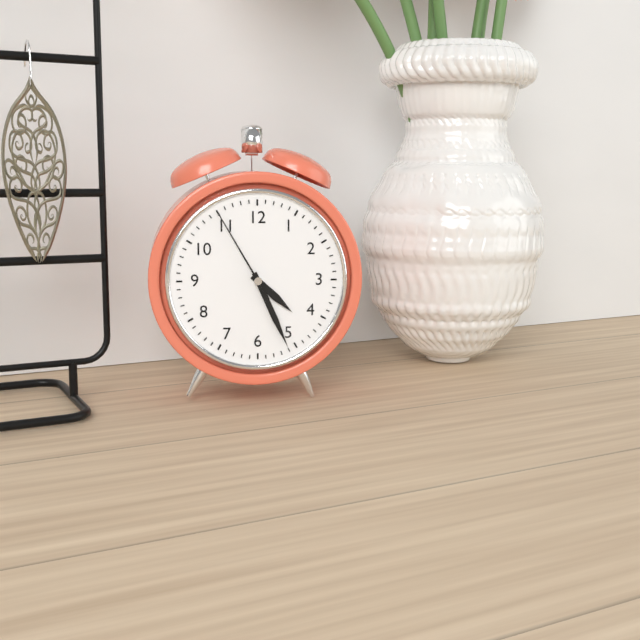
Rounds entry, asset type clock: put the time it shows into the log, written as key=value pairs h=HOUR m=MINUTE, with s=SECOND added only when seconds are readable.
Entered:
h=4 m=26 s=55
